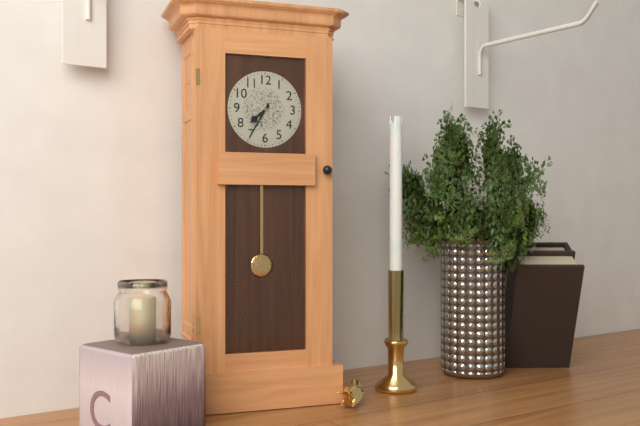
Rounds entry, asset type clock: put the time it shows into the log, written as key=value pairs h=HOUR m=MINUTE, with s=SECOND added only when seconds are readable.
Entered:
h=7 m=35
